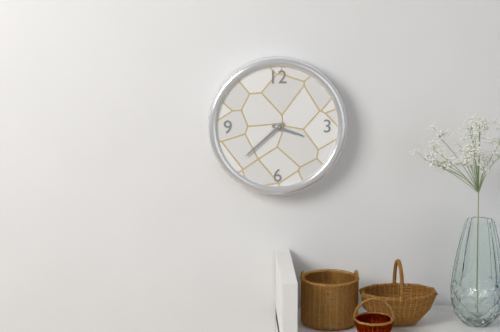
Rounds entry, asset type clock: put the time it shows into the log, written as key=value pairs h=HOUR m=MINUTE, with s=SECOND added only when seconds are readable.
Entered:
h=3 m=38
